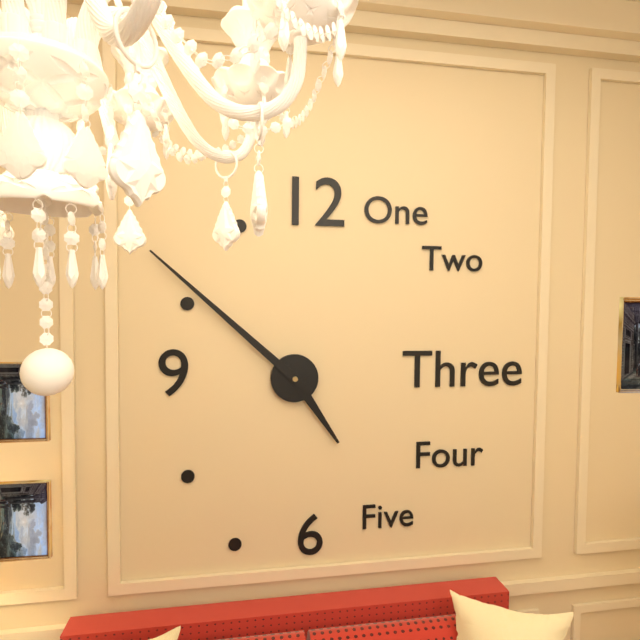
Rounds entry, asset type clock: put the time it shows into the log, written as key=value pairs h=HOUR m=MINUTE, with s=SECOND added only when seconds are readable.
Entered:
h=4 m=52
